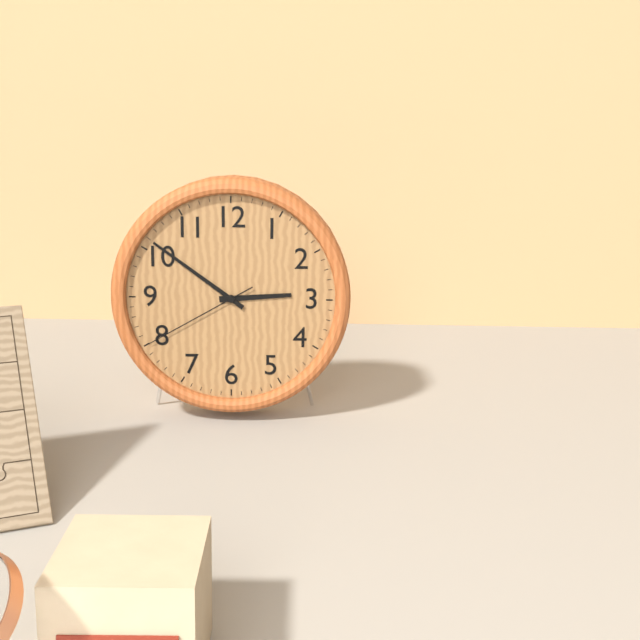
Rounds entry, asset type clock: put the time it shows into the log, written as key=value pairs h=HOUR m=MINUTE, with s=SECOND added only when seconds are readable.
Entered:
h=2 m=51 s=40
